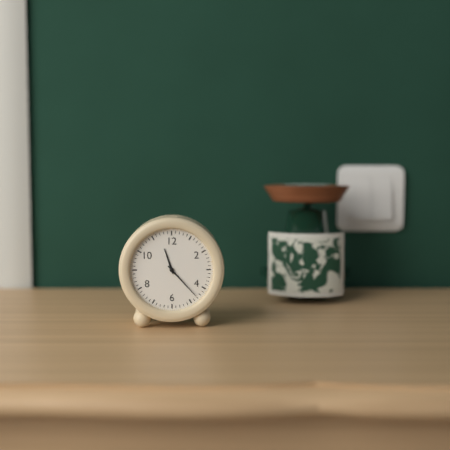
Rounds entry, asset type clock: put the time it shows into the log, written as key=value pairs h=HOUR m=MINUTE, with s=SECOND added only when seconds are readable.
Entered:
h=11 m=23
